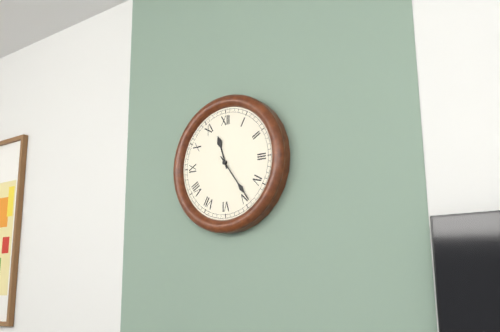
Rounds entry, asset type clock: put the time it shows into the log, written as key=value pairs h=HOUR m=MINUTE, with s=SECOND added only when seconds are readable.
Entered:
h=11 m=24
